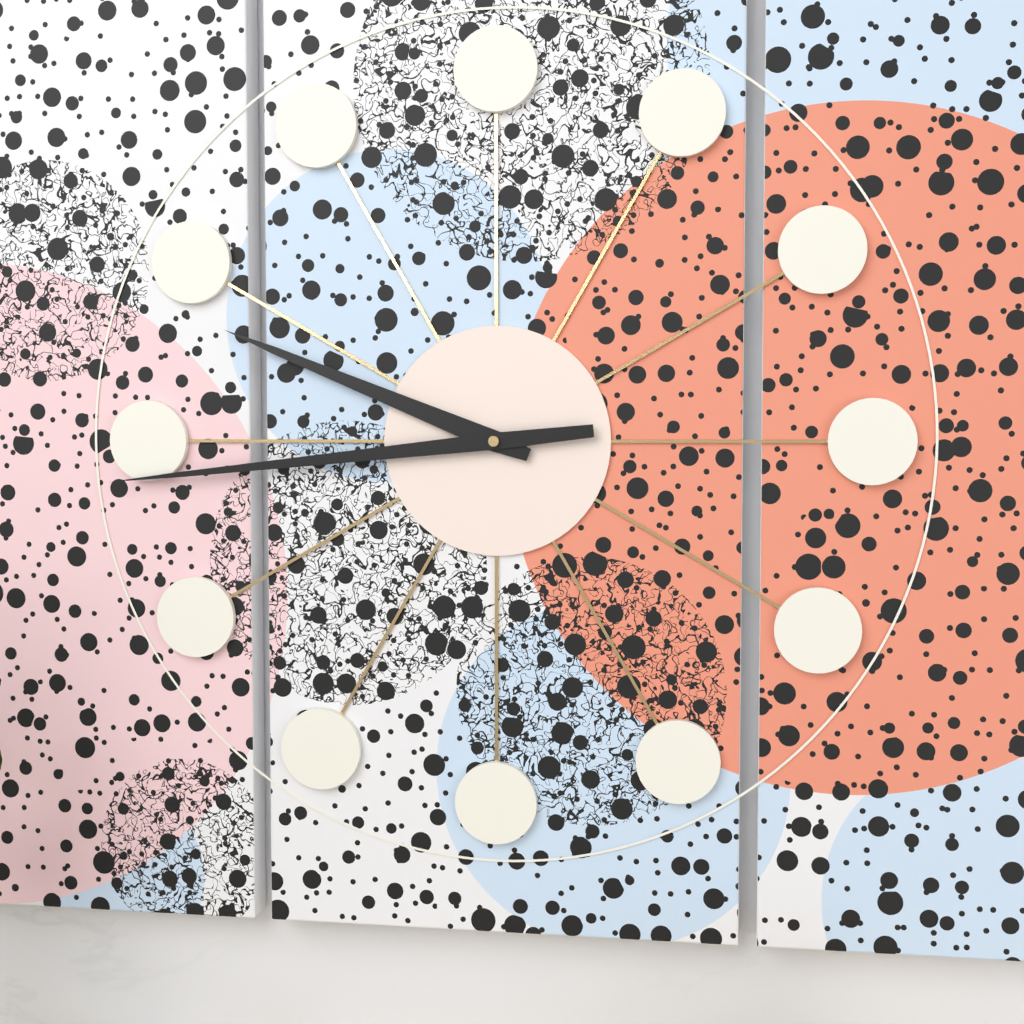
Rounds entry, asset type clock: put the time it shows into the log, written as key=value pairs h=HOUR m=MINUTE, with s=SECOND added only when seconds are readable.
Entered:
h=9 m=44
